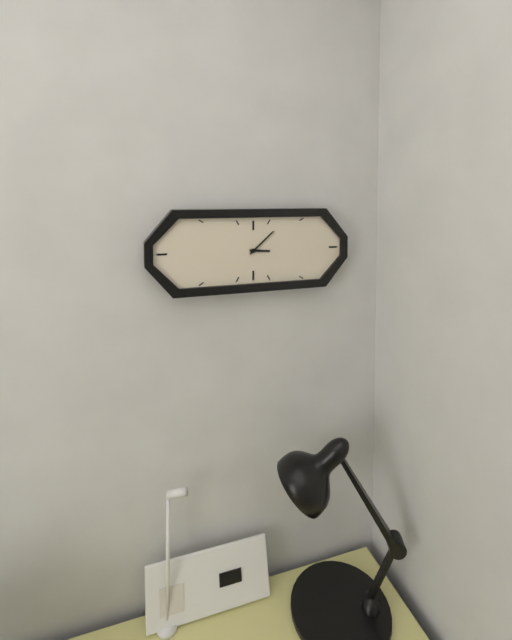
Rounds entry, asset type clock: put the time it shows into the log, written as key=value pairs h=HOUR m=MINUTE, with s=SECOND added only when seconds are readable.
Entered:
h=3 m=8
